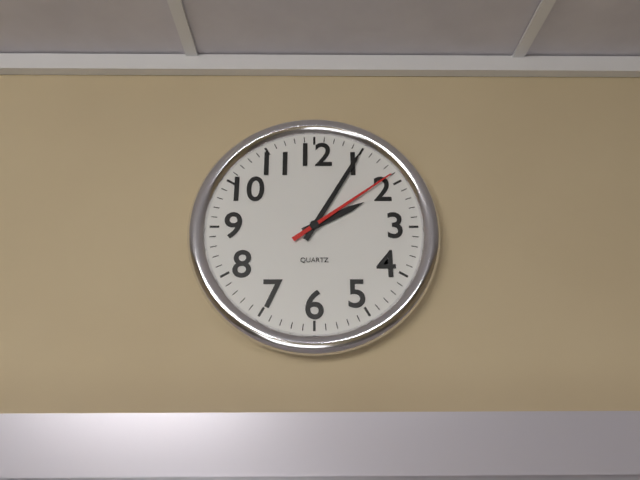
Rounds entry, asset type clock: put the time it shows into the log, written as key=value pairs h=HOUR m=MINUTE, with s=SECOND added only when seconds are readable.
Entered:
h=2 m=5 s=9
